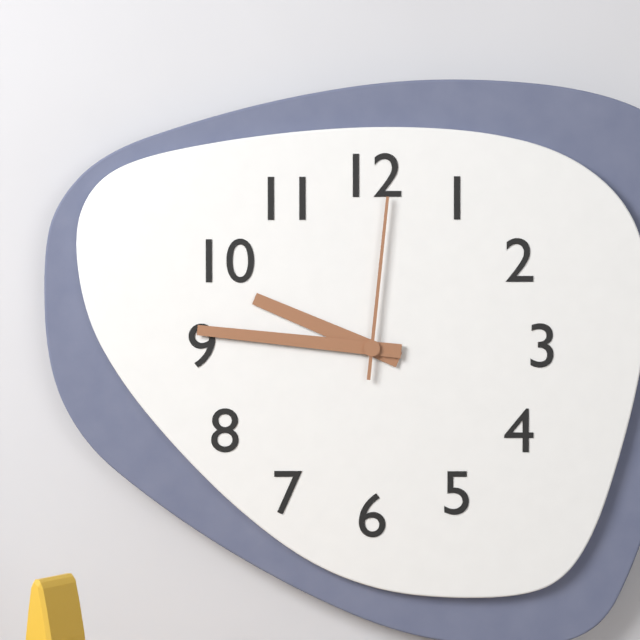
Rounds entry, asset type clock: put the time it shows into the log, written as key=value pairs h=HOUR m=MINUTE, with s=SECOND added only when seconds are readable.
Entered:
h=9 m=46 s=1
